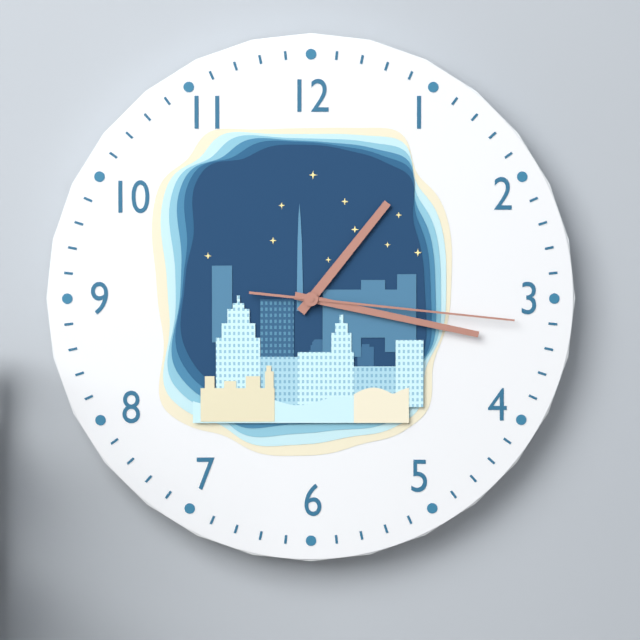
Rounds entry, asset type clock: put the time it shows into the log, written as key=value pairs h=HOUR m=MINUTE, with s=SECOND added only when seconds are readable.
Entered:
h=1 m=17 s=16
